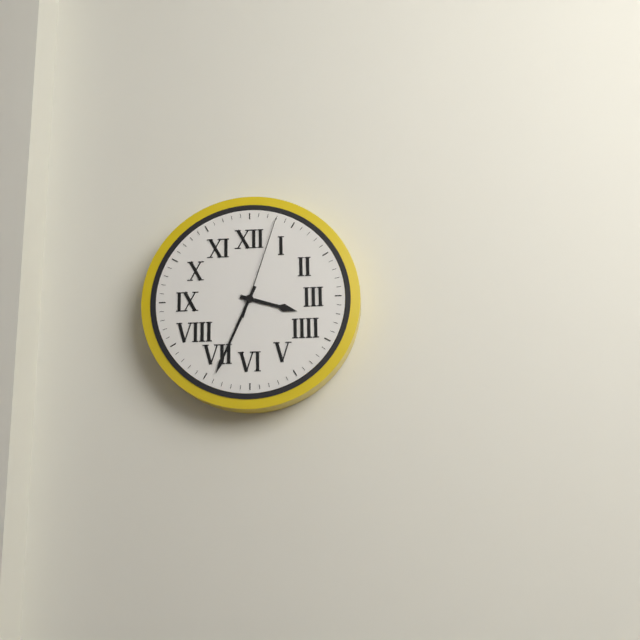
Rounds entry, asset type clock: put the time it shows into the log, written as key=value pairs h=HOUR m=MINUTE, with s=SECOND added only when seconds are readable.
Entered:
h=3 m=34 s=3
